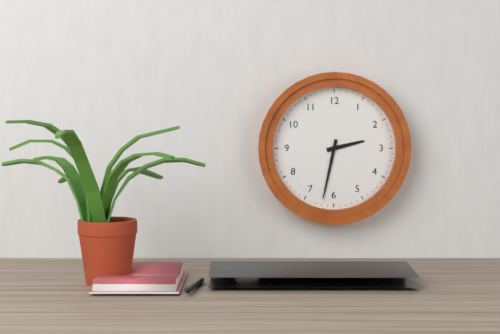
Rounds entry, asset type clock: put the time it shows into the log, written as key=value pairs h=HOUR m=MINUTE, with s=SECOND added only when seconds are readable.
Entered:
h=2 m=32
